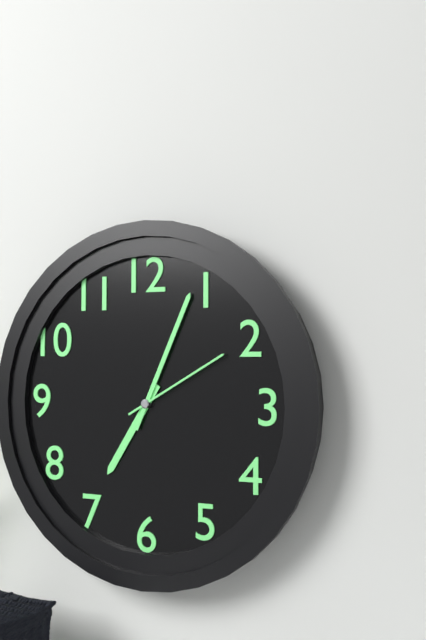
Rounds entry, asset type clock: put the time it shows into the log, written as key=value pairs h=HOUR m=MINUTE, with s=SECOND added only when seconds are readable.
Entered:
h=7 m=4 s=10
